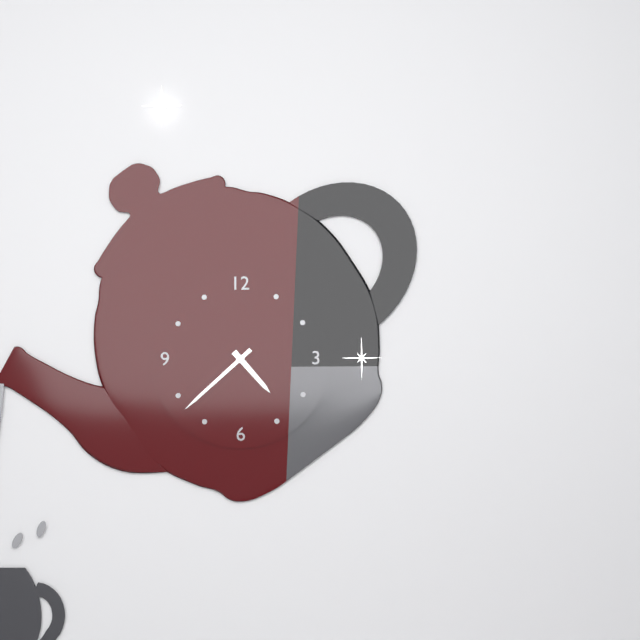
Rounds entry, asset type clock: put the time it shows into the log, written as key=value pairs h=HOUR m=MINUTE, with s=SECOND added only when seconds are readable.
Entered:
h=4 m=38
